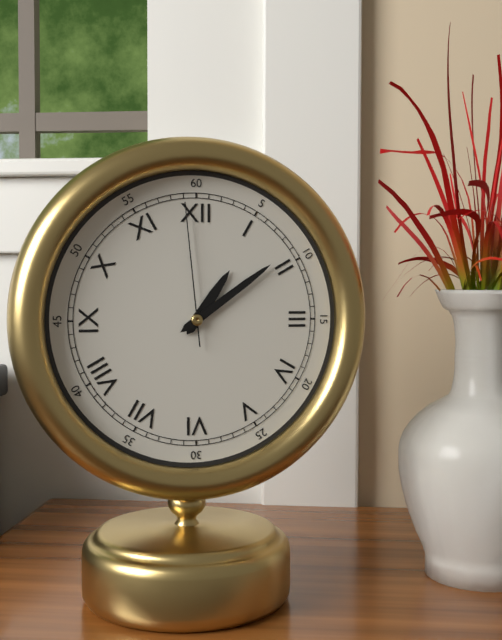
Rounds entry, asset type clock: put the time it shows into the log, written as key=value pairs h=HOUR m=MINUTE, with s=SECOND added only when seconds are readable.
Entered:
h=1 m=9 s=59
